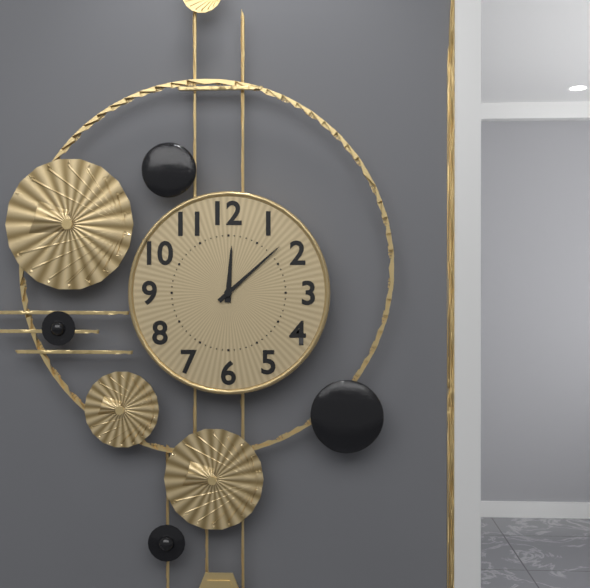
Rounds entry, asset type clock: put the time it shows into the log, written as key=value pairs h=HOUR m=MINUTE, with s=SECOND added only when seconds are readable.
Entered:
h=12 m=8
